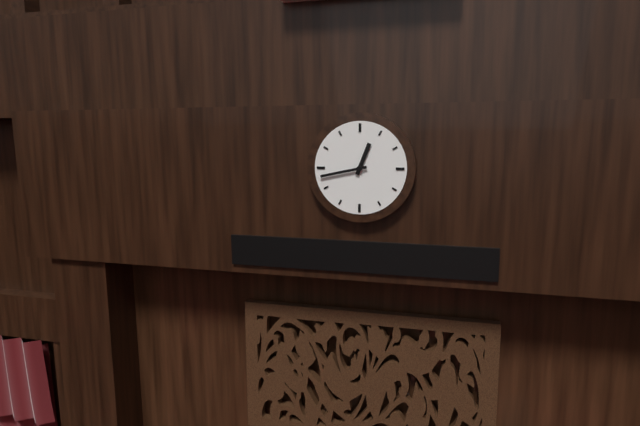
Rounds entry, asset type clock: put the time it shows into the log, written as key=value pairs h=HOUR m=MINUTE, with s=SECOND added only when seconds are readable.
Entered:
h=12 m=43
